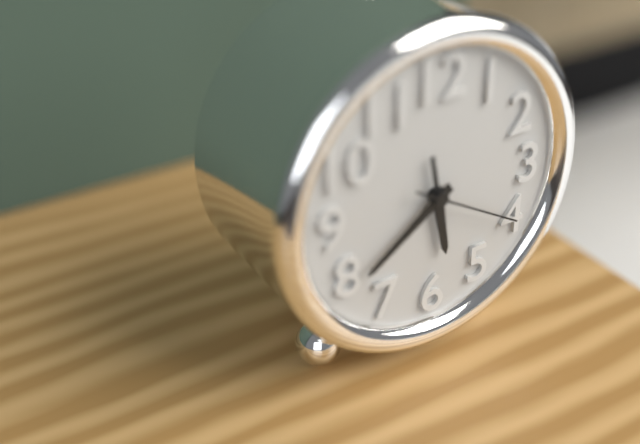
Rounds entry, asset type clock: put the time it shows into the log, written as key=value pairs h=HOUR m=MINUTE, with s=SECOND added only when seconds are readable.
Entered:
h=5 m=39 s=20
